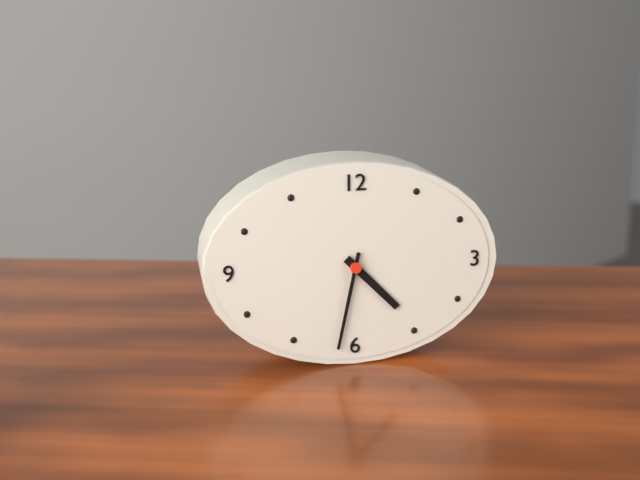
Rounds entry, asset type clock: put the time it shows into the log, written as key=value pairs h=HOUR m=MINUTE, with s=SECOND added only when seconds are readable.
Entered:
h=4 m=32
